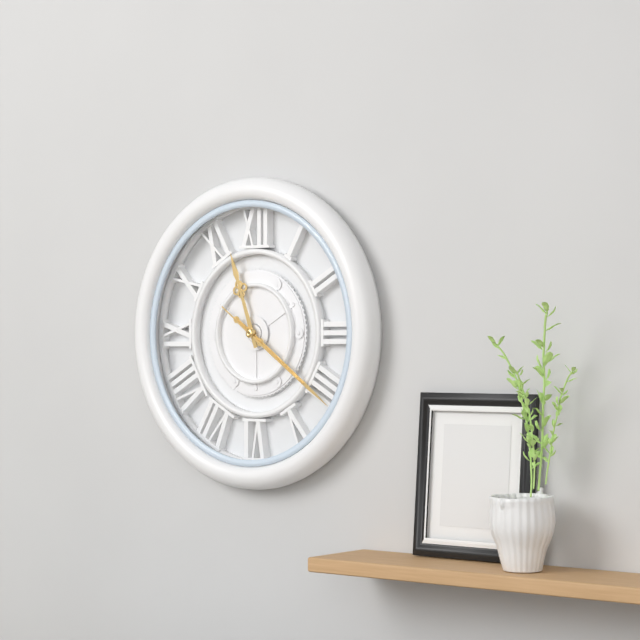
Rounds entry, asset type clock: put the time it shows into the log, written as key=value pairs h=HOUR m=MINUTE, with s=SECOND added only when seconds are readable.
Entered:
h=11 m=21 s=21
